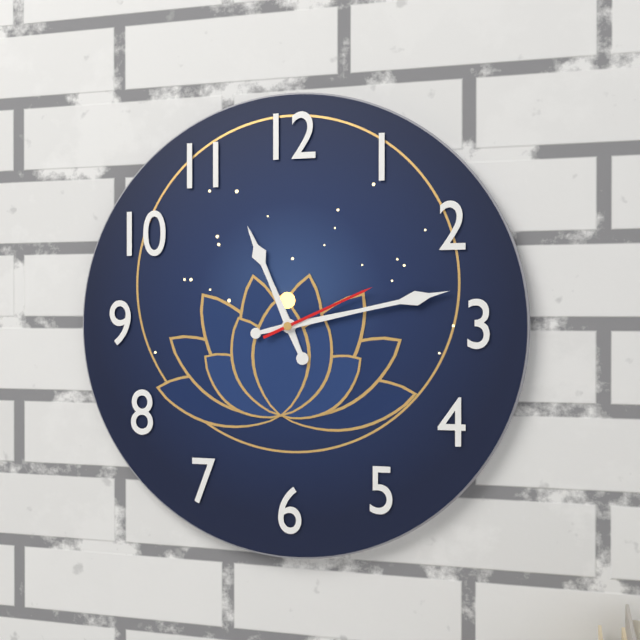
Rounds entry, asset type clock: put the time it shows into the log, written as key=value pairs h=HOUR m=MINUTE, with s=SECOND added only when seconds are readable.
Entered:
h=11 m=13 s=11
